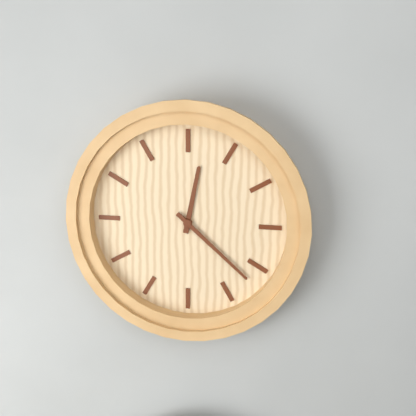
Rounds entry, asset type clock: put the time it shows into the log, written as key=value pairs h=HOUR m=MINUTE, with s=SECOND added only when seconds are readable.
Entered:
h=12 m=22
